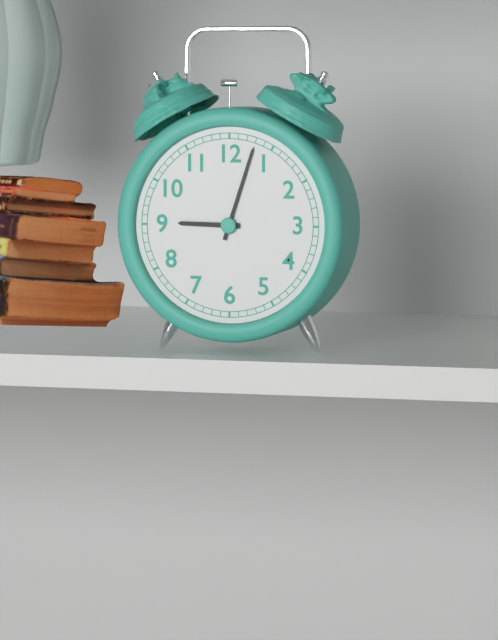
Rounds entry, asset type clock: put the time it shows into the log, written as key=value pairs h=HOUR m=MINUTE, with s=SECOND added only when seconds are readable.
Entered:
h=9 m=3
